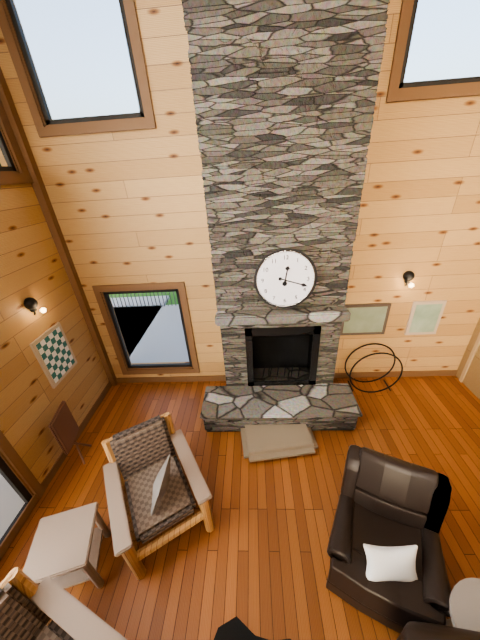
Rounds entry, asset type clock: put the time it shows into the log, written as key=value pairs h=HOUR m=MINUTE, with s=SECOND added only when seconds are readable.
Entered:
h=12 m=18
